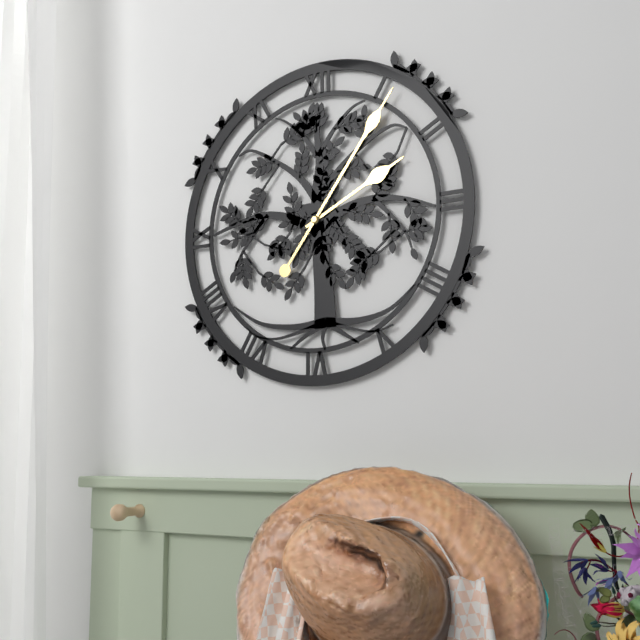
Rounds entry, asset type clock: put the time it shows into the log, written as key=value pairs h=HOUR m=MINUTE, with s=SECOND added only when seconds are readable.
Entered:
h=2 m=6
